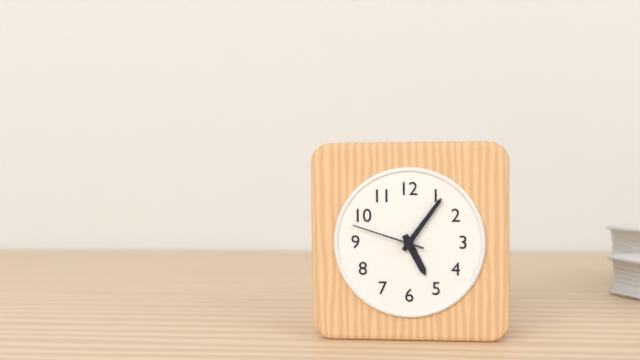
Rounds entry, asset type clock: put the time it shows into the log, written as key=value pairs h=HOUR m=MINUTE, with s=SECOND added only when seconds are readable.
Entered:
h=5 m=6 s=48
